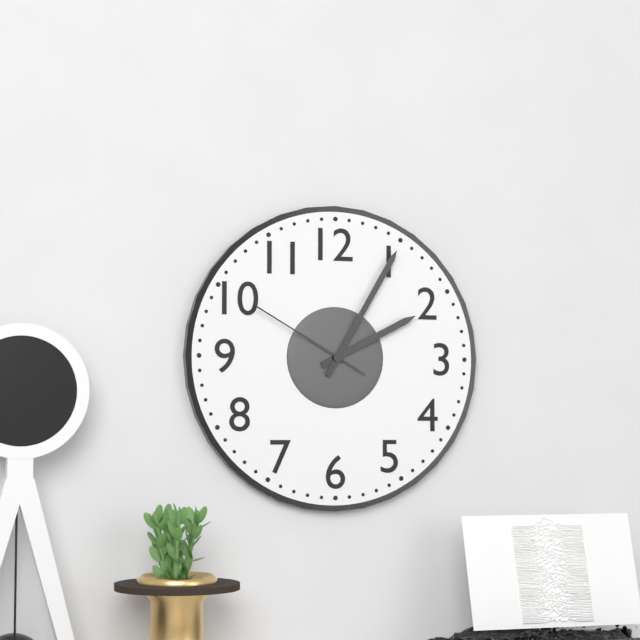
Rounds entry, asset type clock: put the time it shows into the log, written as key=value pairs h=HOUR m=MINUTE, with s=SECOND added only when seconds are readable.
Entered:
h=2 m=5 s=50
